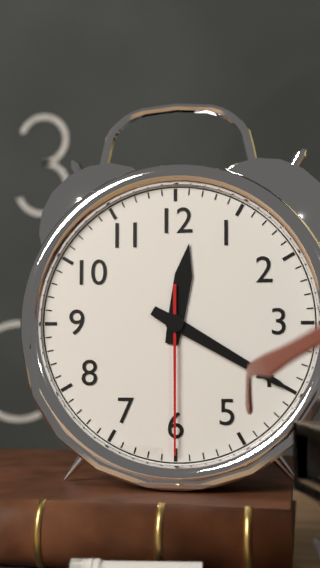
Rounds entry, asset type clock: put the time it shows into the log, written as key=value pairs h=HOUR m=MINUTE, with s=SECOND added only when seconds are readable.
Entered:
h=12 m=20 s=30
